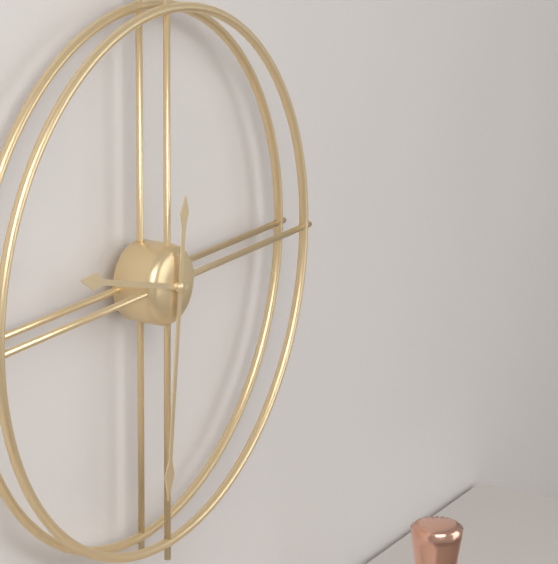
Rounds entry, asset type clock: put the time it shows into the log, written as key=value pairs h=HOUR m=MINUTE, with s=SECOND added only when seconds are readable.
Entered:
h=9 m=31
